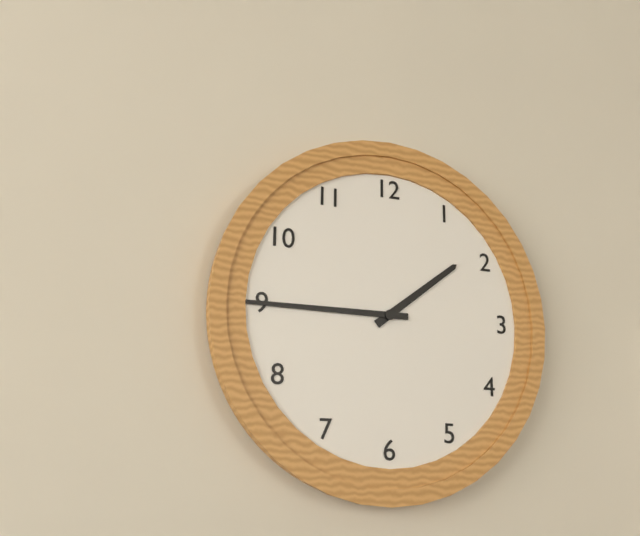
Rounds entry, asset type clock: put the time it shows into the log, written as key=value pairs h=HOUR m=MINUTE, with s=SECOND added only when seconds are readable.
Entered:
h=1 m=45
